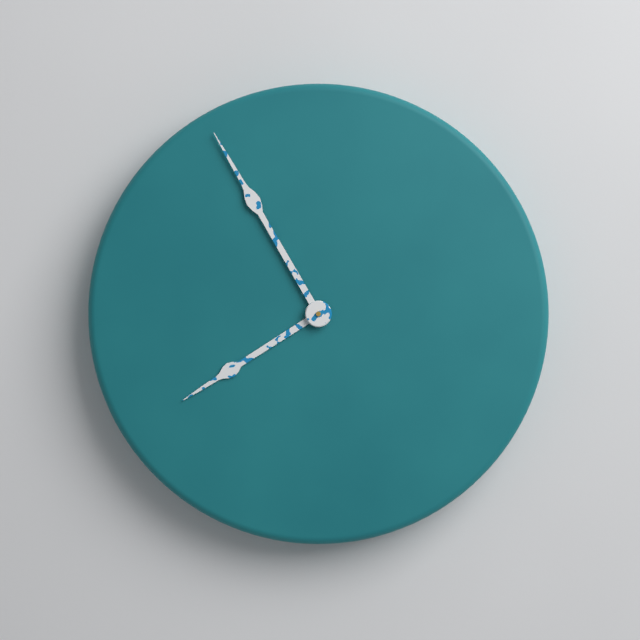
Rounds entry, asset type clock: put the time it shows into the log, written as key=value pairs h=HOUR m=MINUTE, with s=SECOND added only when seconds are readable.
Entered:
h=7 m=55
